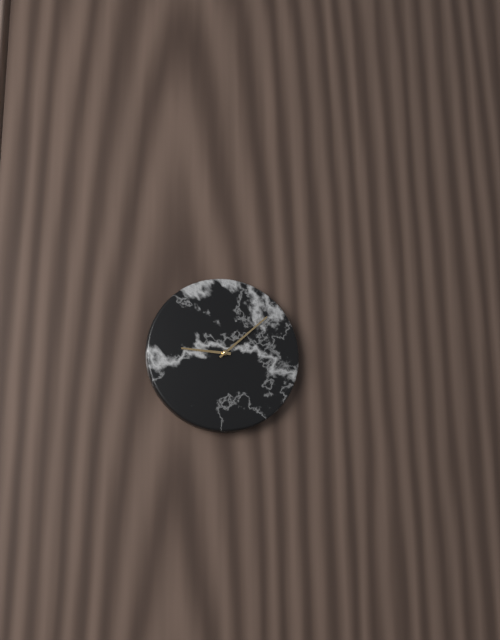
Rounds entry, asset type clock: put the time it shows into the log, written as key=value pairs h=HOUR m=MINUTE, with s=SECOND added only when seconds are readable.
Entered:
h=9 m=8
